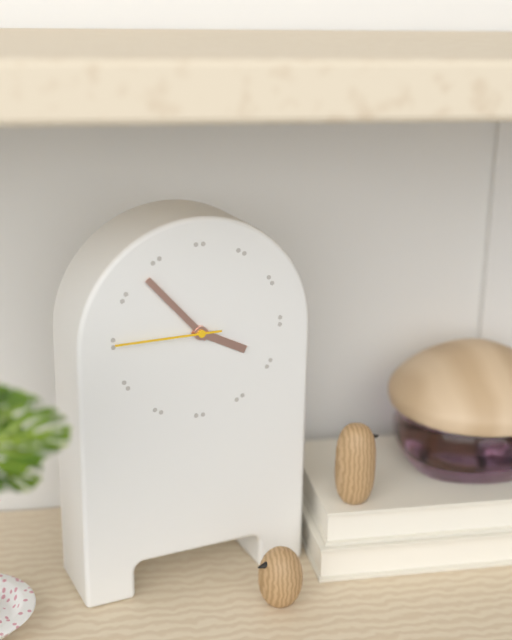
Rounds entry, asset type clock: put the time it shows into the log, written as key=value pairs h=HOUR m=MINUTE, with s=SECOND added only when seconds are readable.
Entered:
h=3 m=53 s=45
